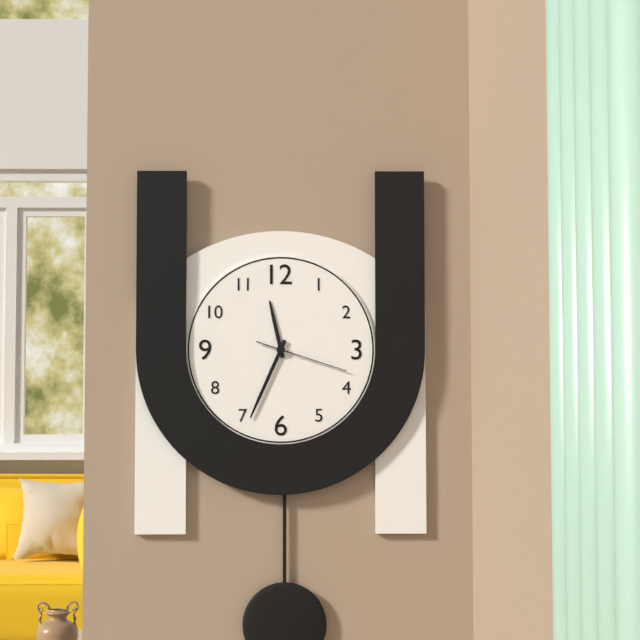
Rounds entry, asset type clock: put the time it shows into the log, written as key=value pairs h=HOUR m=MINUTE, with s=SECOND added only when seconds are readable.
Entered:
h=11 m=34 s=18
